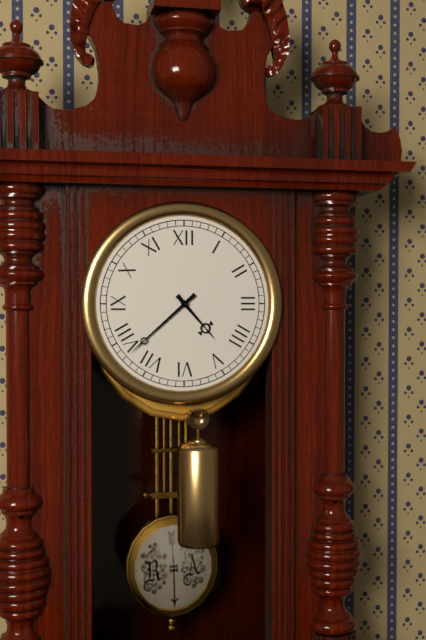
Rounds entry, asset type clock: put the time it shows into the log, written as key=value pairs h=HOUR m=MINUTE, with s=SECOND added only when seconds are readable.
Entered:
h=4 m=38
